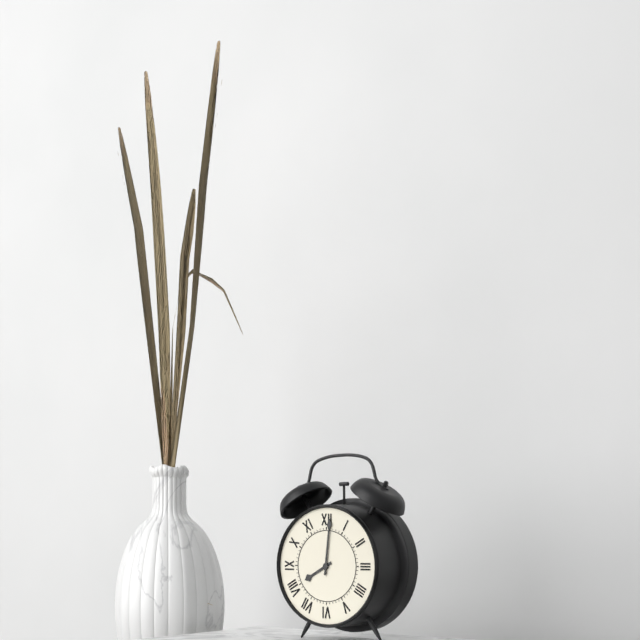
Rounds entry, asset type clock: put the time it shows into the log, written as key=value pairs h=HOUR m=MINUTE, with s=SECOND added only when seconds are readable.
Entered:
h=8 m=1
